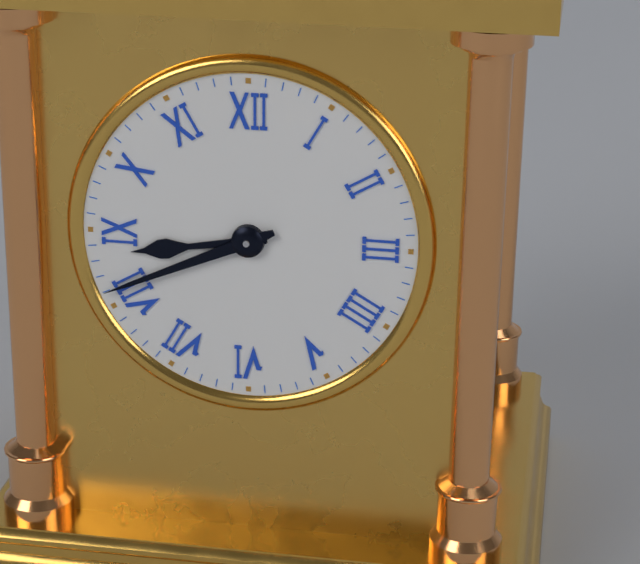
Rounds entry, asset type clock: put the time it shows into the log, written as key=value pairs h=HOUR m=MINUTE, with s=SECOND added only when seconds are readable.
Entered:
h=8 m=41
